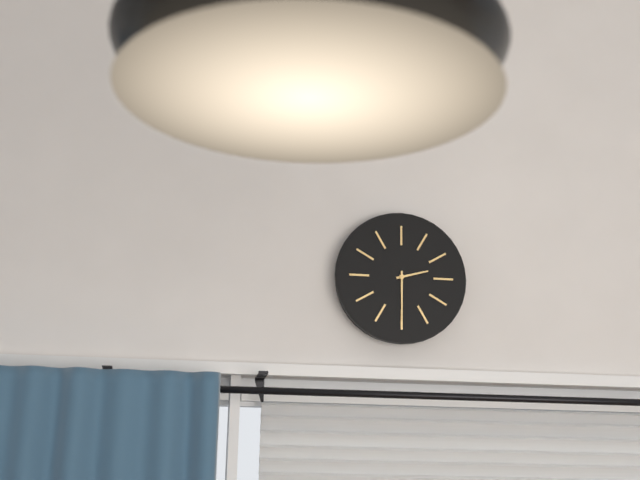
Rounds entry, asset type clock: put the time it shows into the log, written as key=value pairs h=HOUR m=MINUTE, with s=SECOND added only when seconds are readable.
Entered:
h=2 m=30
